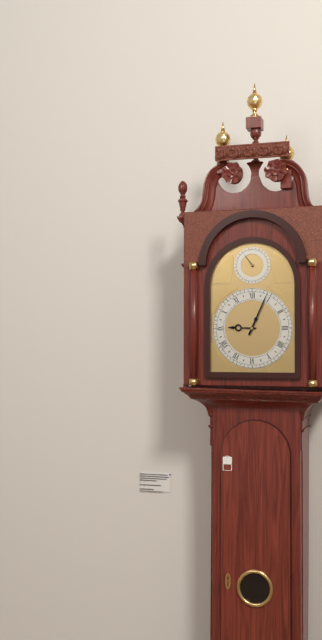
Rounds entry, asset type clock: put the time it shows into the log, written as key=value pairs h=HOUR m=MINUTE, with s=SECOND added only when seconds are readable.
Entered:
h=9 m=4
